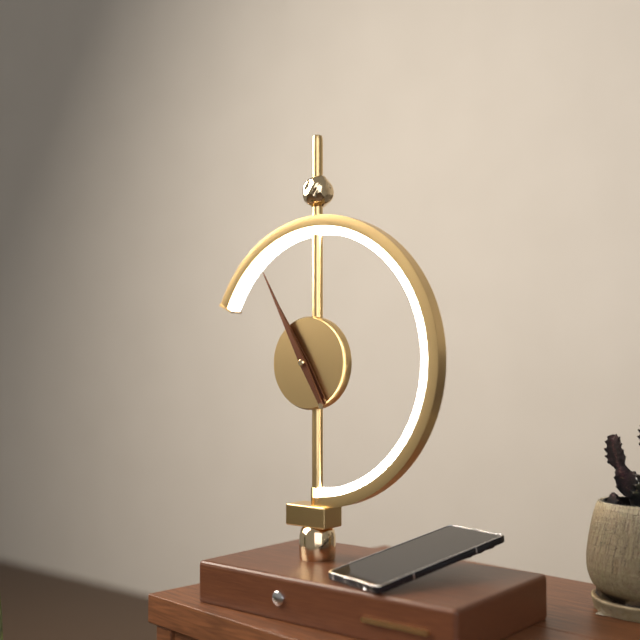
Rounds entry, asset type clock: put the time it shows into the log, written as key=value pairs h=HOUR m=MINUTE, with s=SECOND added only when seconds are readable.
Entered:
h=10 m=55
